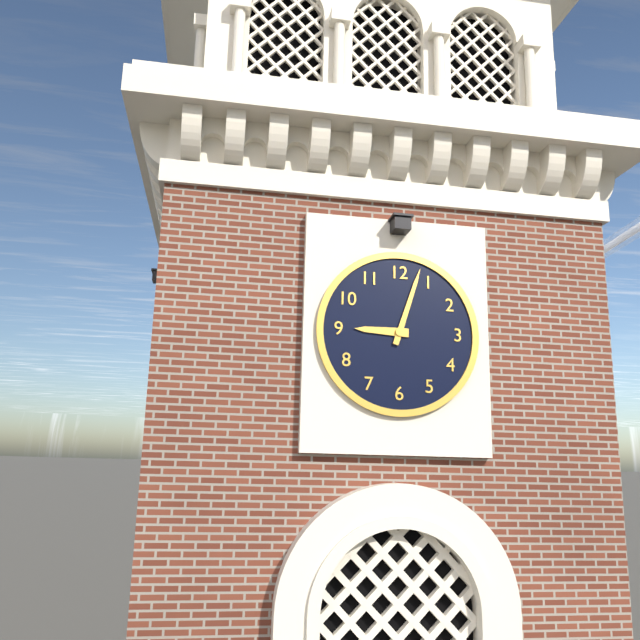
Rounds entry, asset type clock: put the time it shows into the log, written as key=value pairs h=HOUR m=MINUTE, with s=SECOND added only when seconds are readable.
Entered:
h=9 m=3
